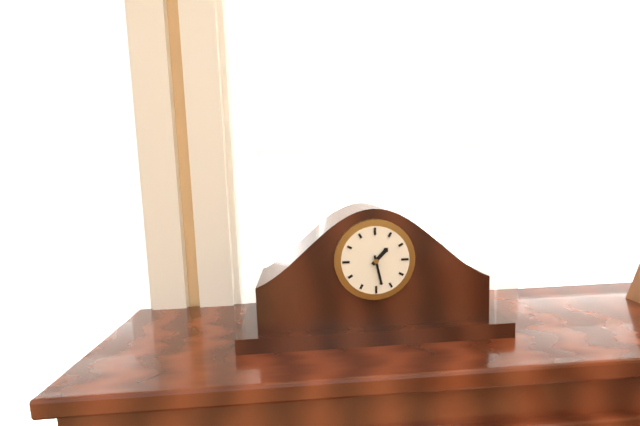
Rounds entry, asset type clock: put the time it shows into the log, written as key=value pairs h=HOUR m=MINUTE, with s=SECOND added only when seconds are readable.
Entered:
h=1 m=28
